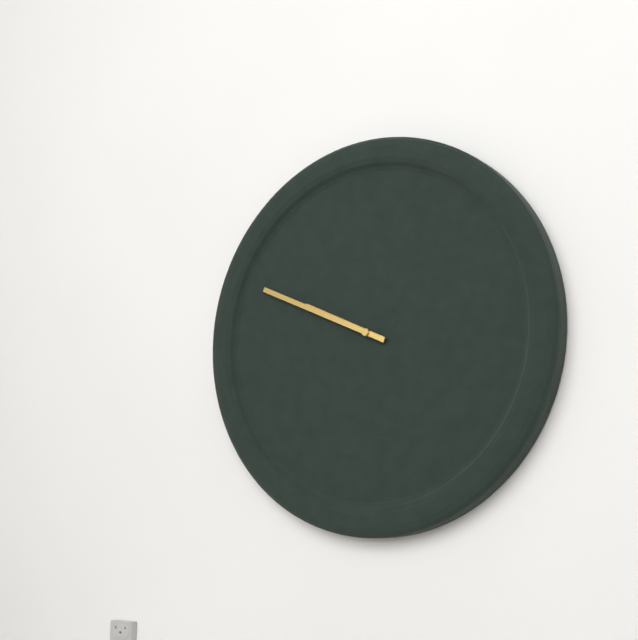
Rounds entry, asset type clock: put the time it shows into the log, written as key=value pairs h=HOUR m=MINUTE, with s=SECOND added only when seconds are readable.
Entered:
h=9 m=49
